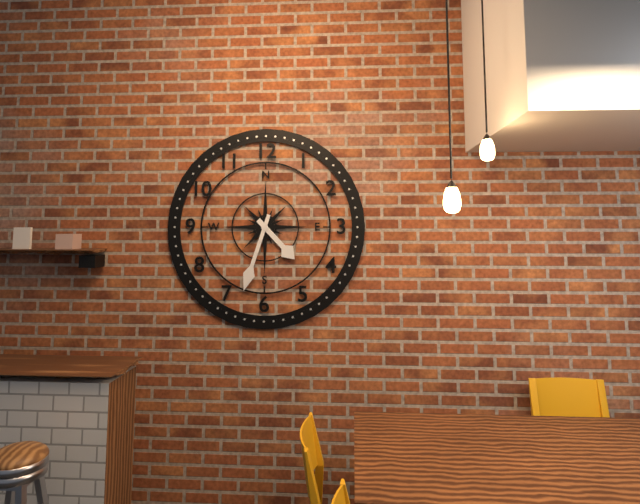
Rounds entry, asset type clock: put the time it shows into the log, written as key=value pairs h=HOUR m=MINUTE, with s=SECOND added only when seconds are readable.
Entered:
h=4 m=33
